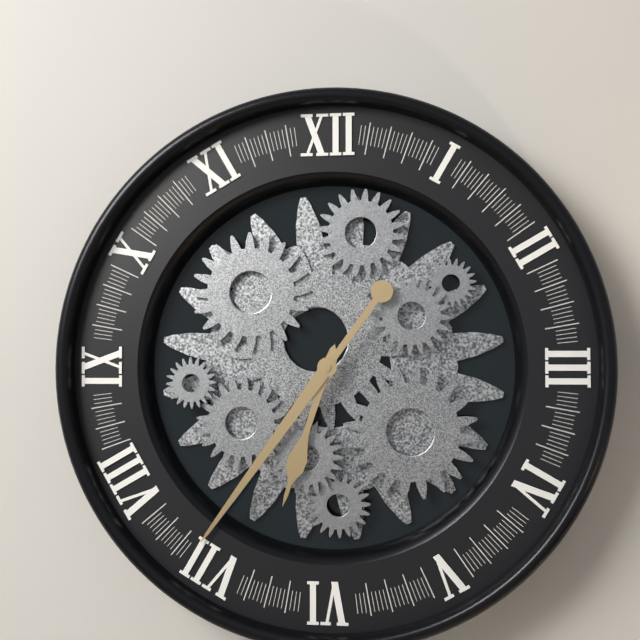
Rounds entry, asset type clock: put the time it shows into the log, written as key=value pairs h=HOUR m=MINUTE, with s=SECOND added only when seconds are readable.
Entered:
h=6 m=36
